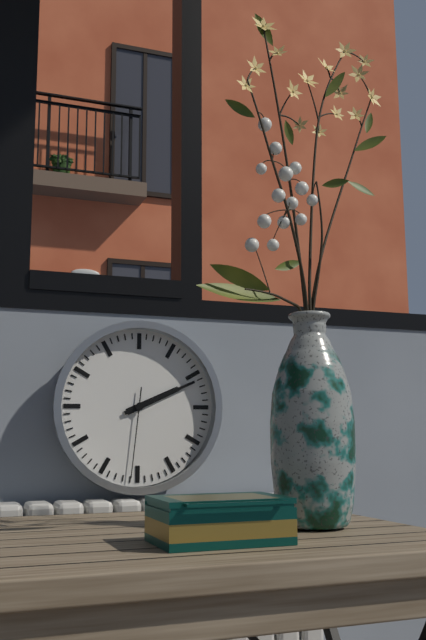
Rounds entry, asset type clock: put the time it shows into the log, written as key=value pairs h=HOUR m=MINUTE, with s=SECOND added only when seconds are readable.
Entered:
h=2 m=11 s=31
